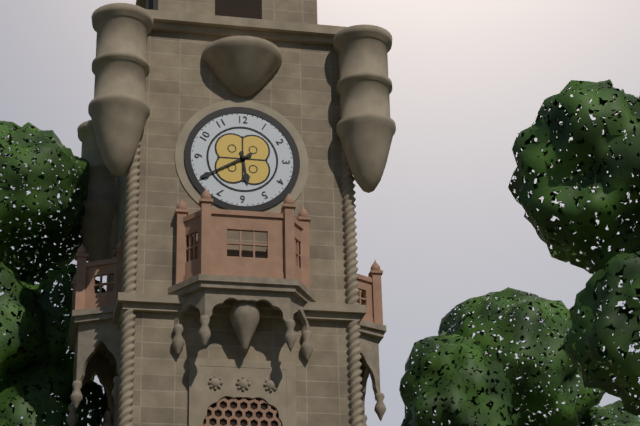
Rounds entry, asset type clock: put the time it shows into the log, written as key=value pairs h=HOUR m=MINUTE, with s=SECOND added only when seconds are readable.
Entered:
h=5 m=40
